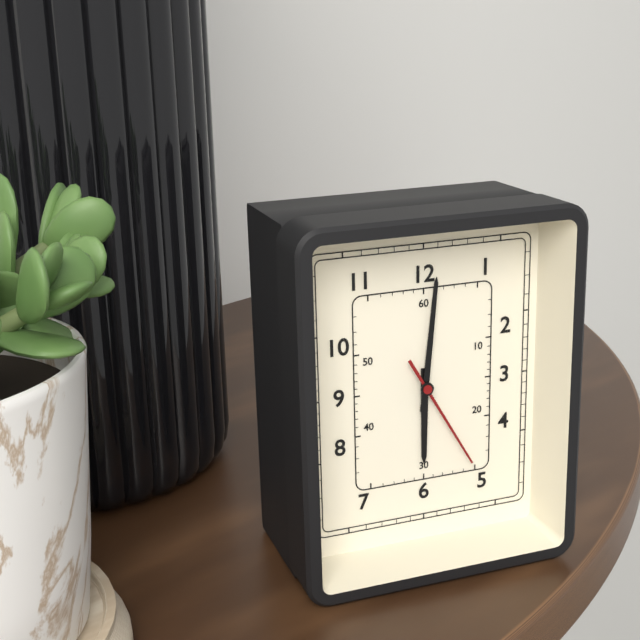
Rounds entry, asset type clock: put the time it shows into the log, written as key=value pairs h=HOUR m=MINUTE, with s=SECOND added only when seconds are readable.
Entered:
h=6 m=1 s=25
